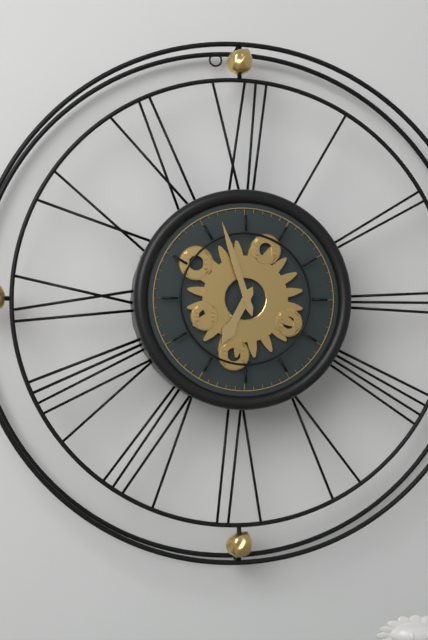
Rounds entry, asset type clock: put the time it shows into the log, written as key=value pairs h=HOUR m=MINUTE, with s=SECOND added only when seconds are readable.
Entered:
h=6 m=57
